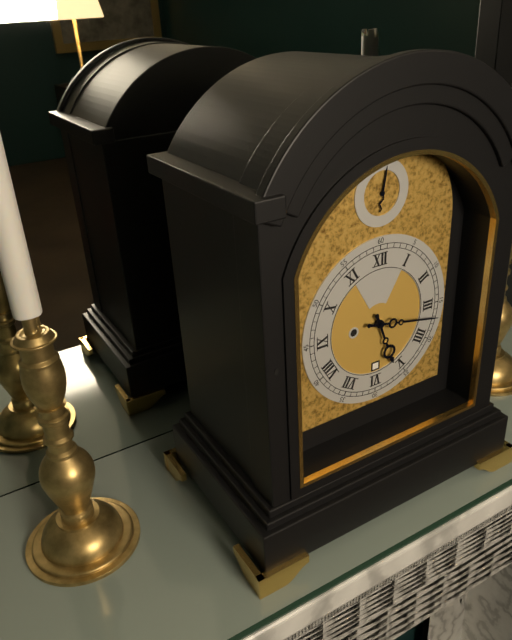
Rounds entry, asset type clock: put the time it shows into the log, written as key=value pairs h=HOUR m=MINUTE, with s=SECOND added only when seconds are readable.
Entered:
h=5 m=17
